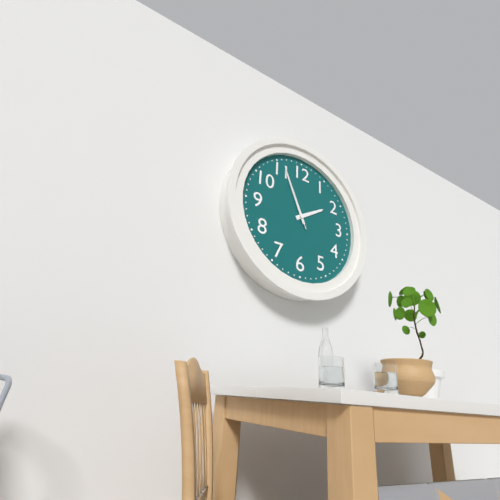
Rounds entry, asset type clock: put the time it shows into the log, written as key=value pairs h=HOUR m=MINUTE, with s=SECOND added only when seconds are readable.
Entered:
h=1 m=56 s=56
